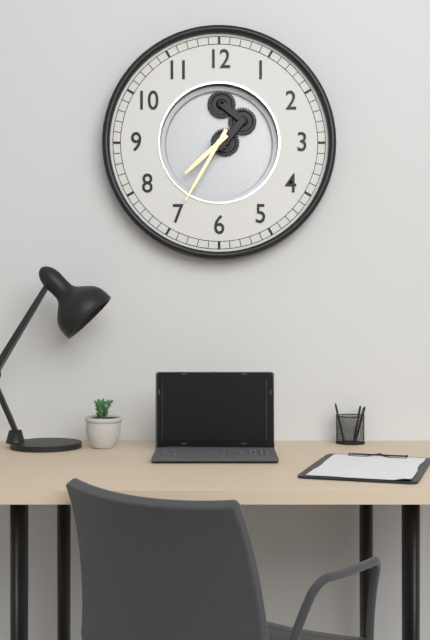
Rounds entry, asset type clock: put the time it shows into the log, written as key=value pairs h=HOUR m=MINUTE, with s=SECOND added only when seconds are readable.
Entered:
h=7 m=35
